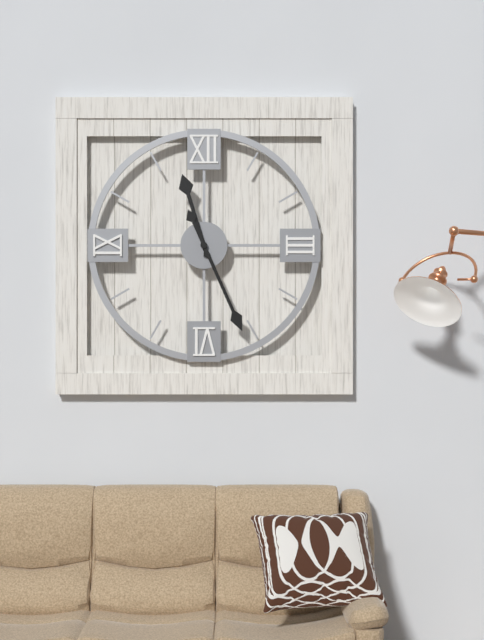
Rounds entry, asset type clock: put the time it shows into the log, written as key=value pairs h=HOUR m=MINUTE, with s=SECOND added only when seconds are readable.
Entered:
h=11 m=26
